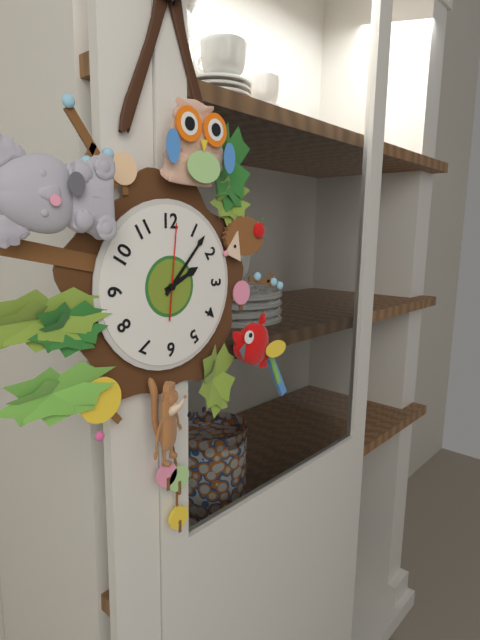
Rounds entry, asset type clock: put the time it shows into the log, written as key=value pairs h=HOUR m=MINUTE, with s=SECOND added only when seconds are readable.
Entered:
h=2 m=7 s=1
